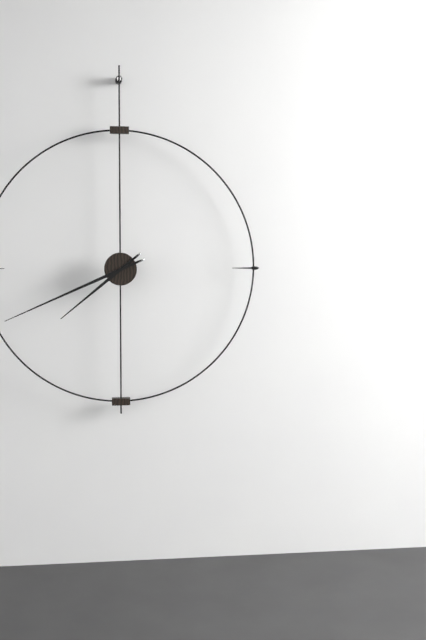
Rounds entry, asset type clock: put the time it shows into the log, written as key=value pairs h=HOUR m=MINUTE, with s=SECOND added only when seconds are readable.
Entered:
h=7 m=41
